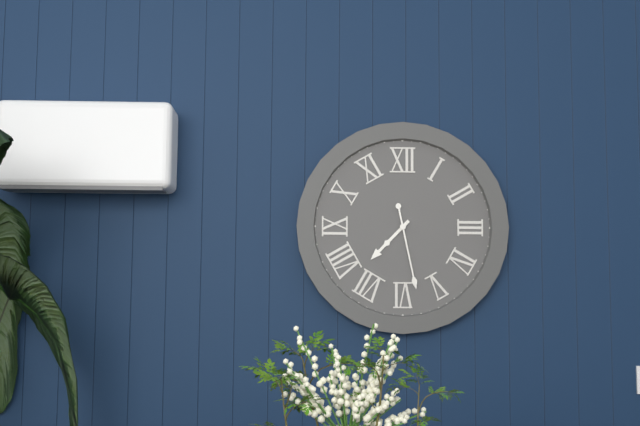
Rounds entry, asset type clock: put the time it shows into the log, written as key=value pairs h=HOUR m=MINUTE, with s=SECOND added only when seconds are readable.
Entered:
h=7 m=28
